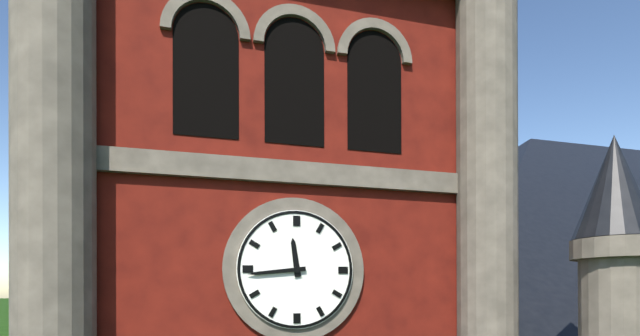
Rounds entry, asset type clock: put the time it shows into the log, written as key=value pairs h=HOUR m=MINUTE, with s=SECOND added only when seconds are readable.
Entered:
h=11 m=44
